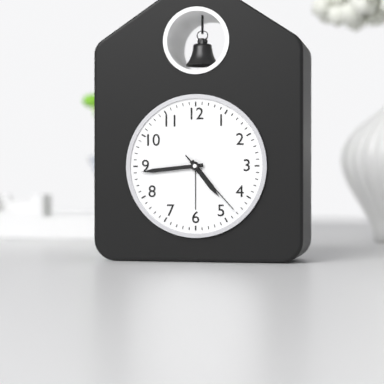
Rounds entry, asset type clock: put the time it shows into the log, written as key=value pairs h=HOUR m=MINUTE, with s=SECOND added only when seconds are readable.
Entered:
h=4 m=44 s=23
